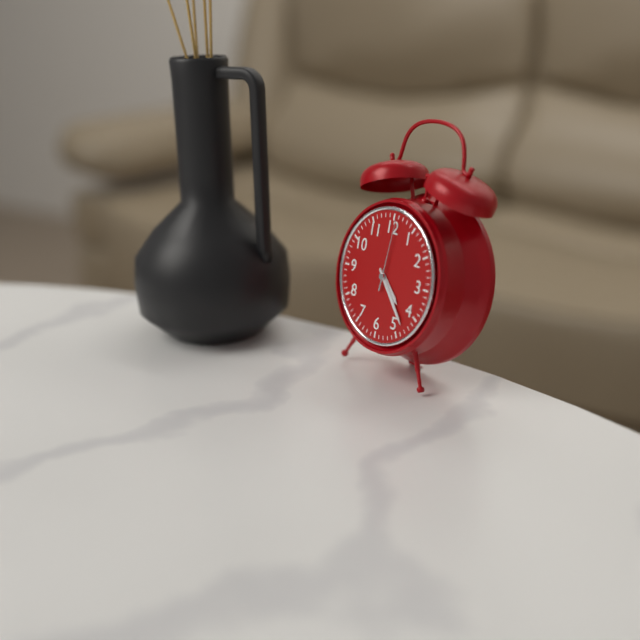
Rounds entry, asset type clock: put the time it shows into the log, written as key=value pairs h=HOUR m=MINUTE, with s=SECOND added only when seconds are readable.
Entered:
h=4 m=23 s=1
